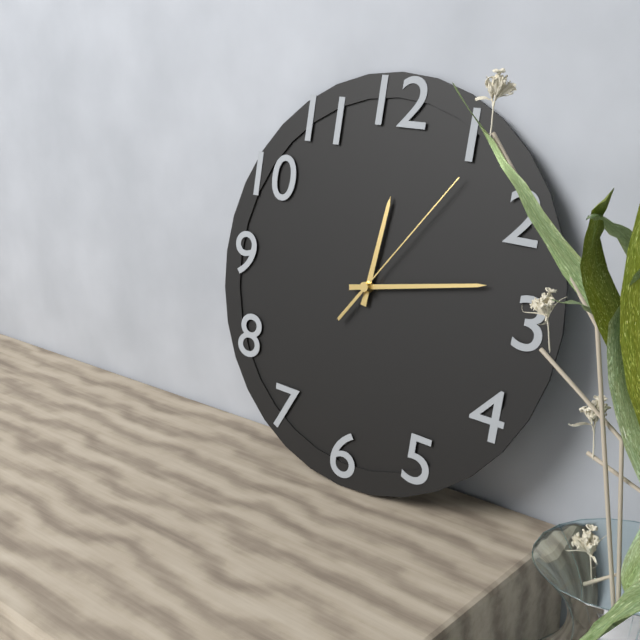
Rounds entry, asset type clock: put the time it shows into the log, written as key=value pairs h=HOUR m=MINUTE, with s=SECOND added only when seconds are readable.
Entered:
h=12 m=13 s=6
